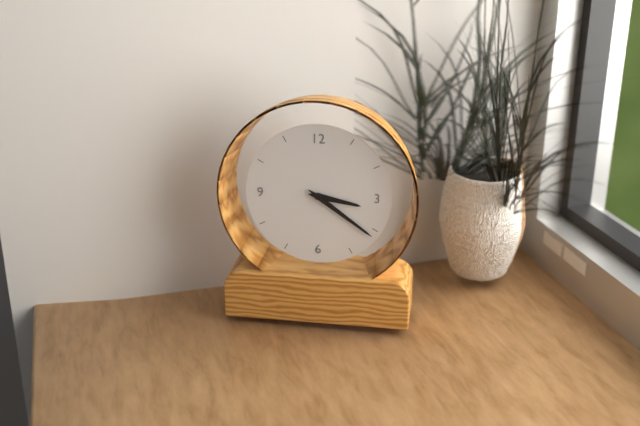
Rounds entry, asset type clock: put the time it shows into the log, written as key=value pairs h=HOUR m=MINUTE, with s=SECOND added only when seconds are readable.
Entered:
h=3 m=21
